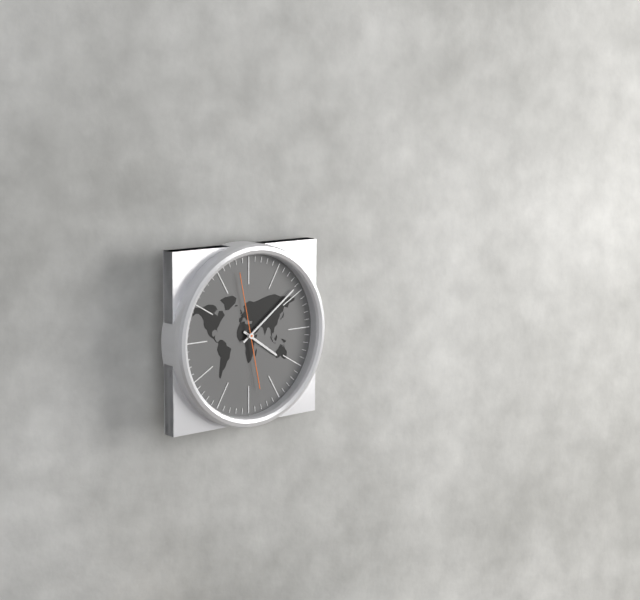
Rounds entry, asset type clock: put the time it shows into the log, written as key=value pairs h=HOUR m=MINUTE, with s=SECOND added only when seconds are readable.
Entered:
h=4 m=9 s=58
